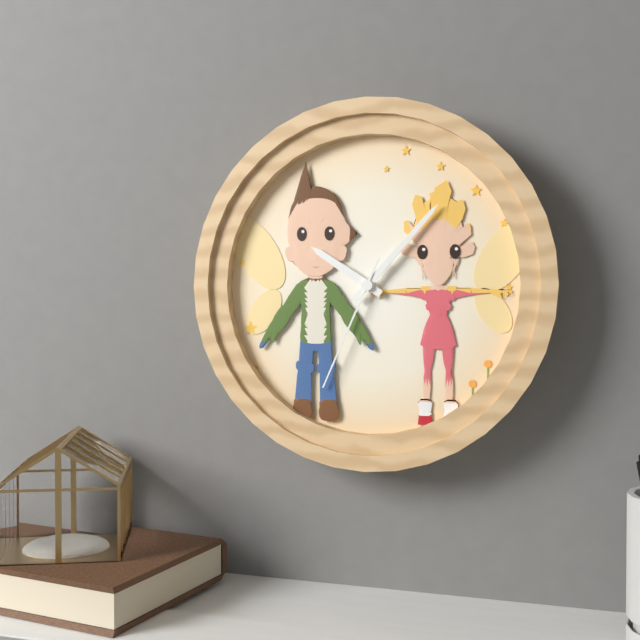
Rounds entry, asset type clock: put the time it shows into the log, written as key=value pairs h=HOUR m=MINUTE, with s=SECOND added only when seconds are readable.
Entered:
h=10 m=7 s=34
